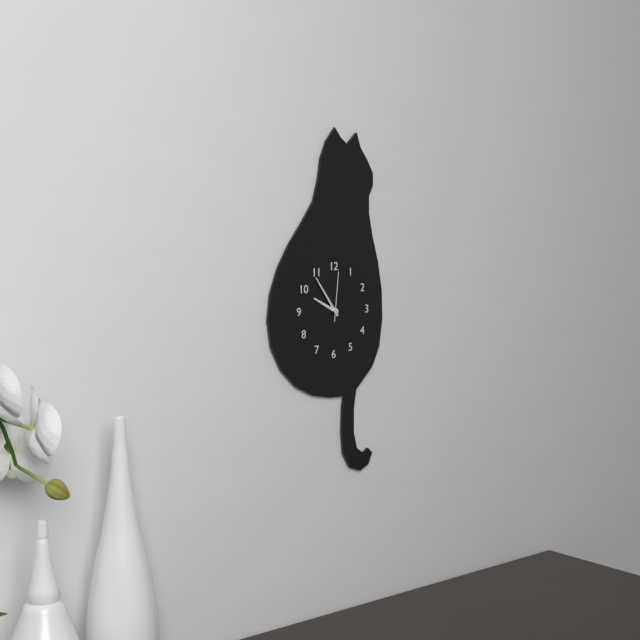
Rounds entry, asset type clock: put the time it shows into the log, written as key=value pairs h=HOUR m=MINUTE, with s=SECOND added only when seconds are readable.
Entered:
h=9 m=54
